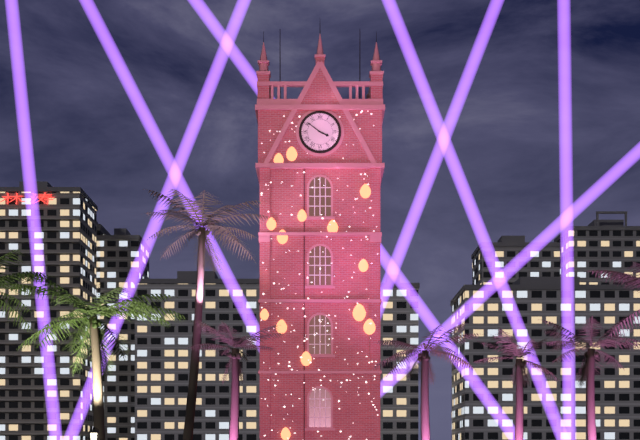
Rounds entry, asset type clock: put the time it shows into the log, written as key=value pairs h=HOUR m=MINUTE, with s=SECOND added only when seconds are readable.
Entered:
h=3 m=51
